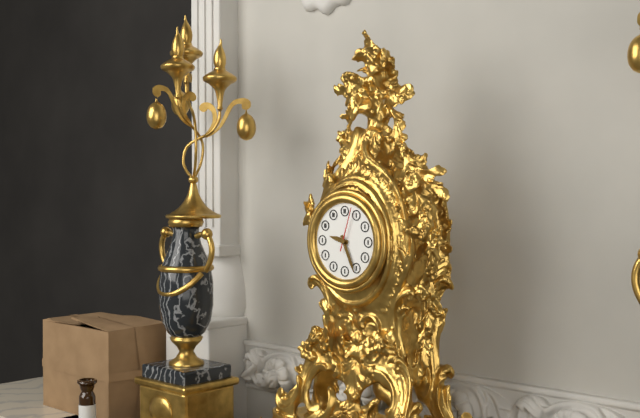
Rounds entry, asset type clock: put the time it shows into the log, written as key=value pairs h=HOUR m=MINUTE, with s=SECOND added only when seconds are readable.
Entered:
h=9 m=26
